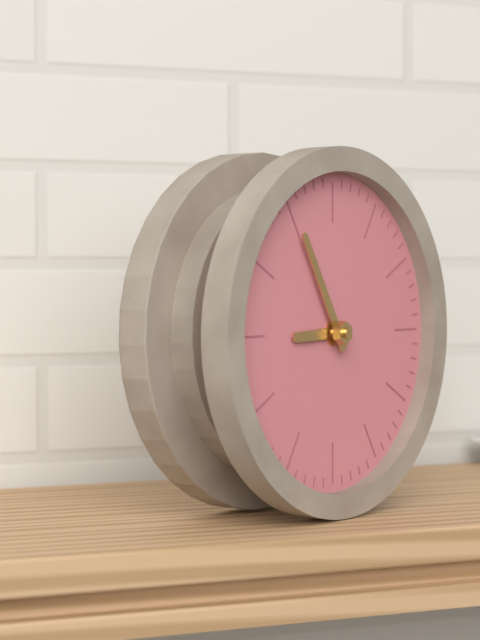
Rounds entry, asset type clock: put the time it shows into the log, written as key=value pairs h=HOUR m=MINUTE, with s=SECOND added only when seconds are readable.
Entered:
h=8 m=55
